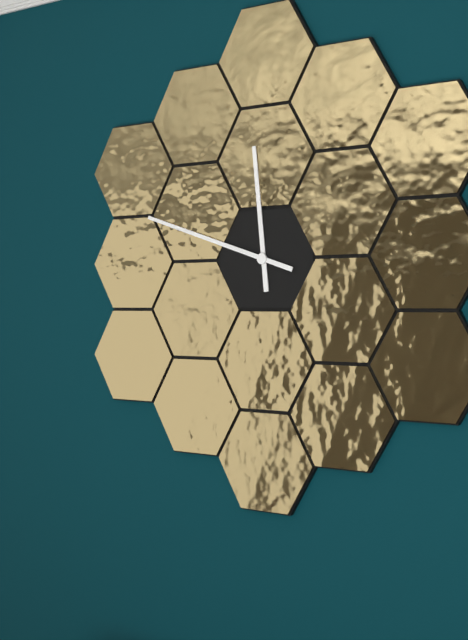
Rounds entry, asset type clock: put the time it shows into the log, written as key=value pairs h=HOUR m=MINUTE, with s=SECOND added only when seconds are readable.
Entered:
h=11 m=48
